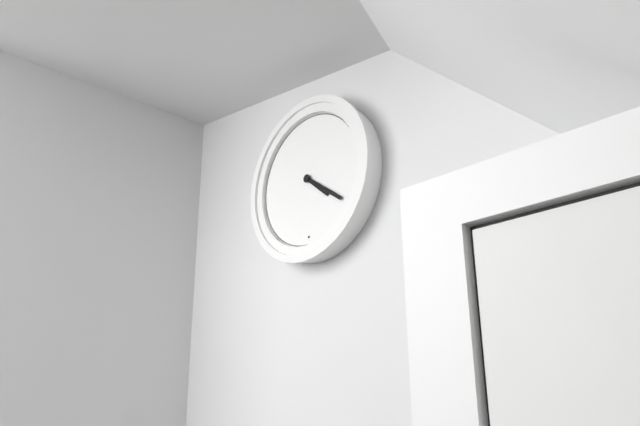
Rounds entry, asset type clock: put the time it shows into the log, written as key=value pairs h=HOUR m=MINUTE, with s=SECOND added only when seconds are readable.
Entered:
h=4 m=21
